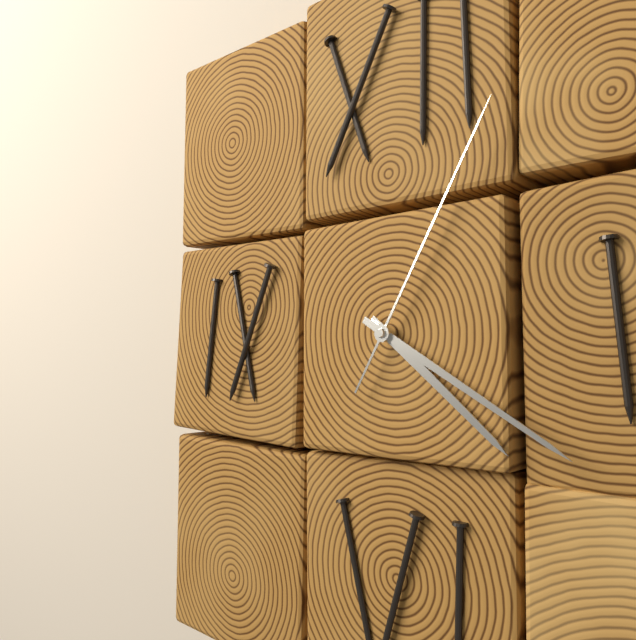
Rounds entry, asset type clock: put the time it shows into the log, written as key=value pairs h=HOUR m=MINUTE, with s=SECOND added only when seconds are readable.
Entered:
h=4 m=20 s=5
